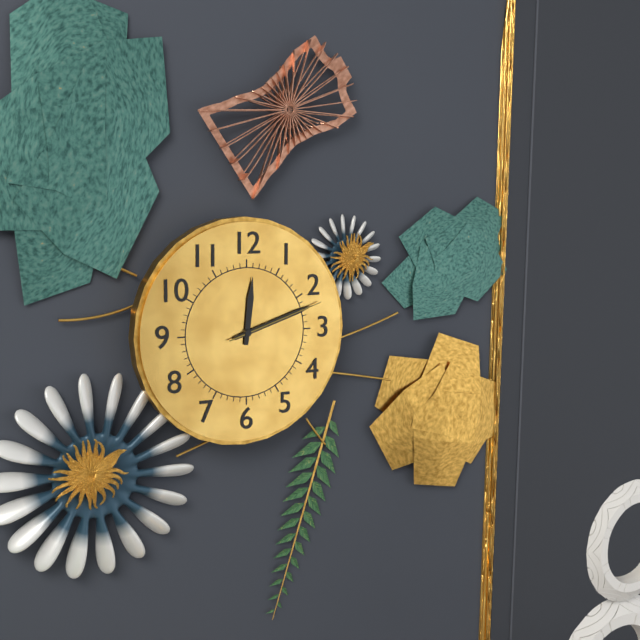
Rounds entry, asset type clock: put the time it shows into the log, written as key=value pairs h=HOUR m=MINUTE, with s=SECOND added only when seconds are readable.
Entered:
h=12 m=12 s=12
